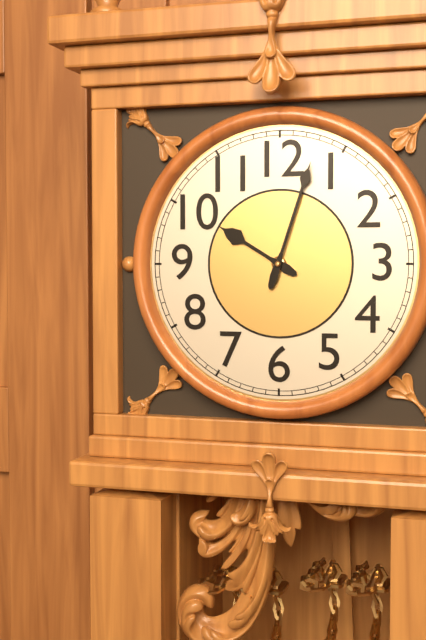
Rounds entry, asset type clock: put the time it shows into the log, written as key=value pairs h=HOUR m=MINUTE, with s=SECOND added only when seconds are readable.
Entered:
h=10 m=3
